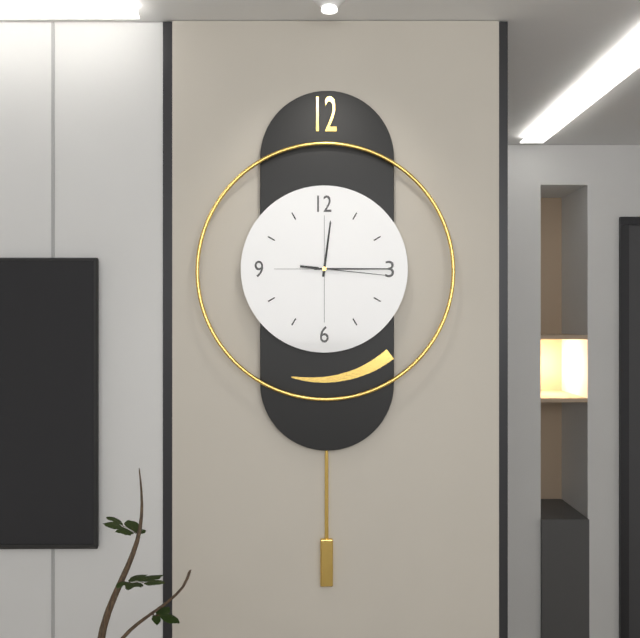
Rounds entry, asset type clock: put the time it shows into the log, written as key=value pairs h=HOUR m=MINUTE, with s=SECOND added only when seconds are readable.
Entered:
h=12 m=15 s=16
